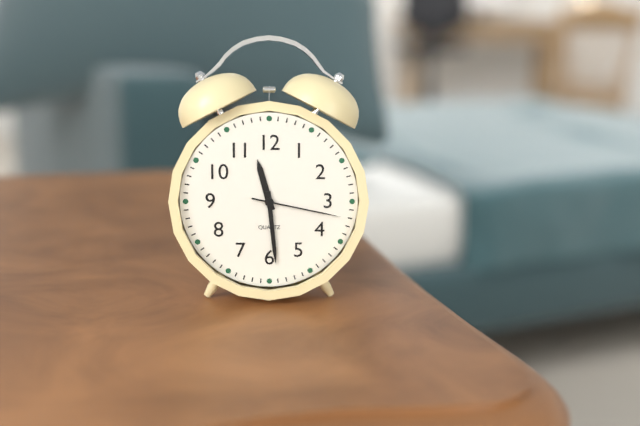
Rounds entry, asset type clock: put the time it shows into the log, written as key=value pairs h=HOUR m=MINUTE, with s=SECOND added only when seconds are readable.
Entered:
h=11 m=29 s=17
